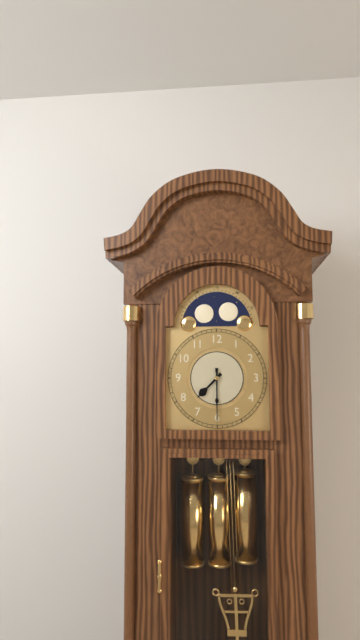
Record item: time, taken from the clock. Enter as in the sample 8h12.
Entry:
7h30
